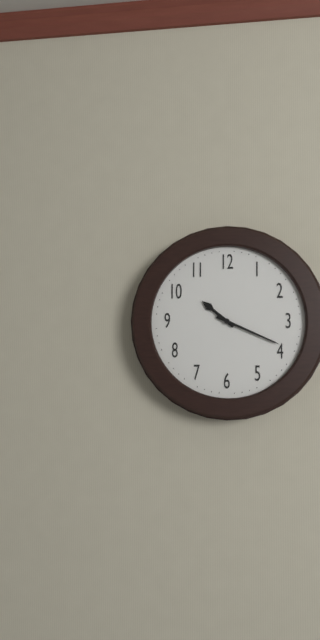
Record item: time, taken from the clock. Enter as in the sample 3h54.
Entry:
10h19
